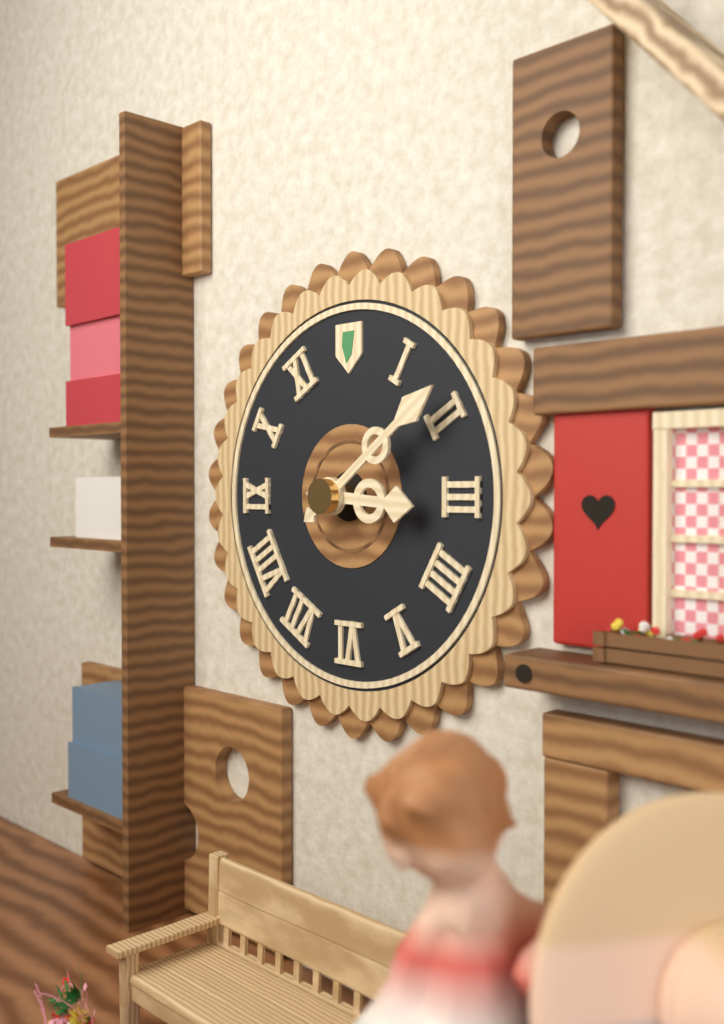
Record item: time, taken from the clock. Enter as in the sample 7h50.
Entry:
3h09
